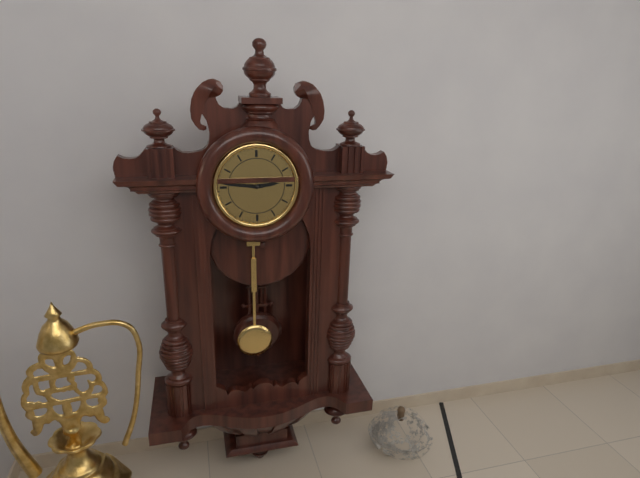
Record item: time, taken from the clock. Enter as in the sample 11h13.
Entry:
2h46
